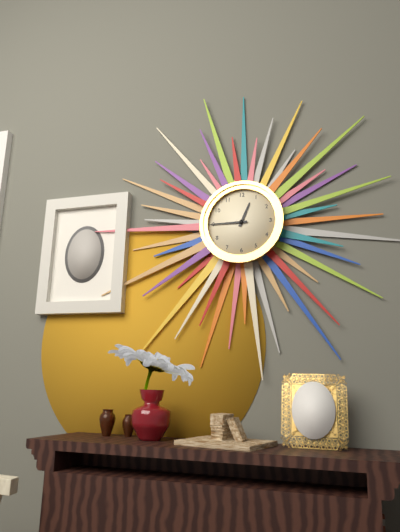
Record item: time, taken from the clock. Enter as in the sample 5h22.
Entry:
12h45
